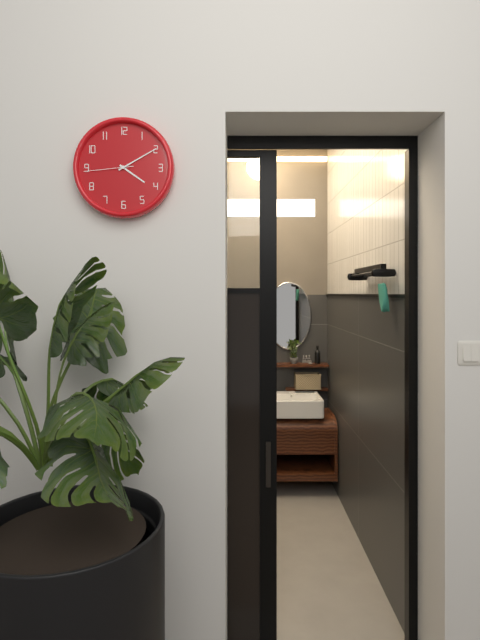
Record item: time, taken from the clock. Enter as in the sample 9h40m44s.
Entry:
4h10m44s
